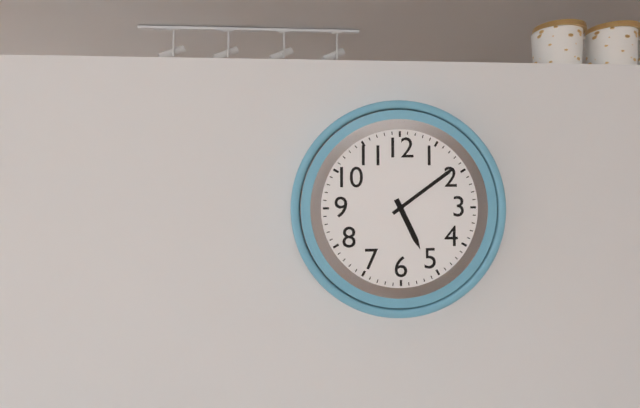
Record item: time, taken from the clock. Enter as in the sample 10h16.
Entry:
5h09
